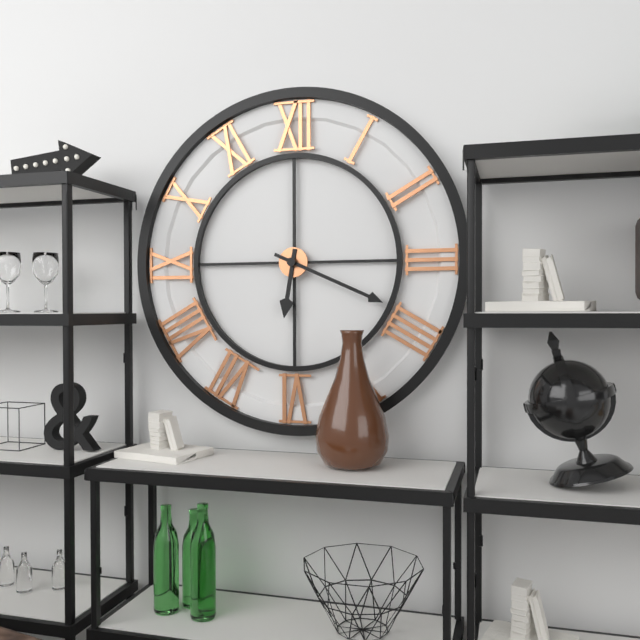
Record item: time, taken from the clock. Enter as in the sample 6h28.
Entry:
6h19
